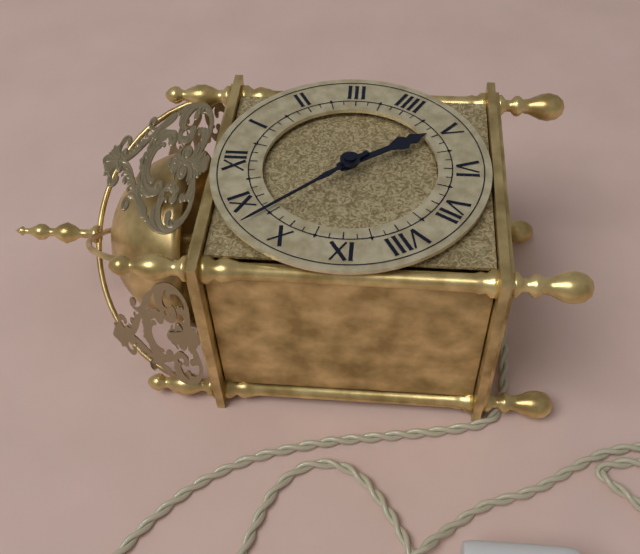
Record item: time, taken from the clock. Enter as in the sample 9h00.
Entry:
4h53
